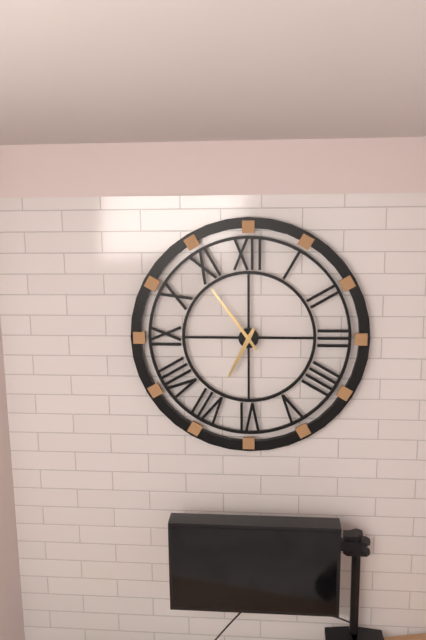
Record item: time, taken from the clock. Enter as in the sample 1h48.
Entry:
6h54
